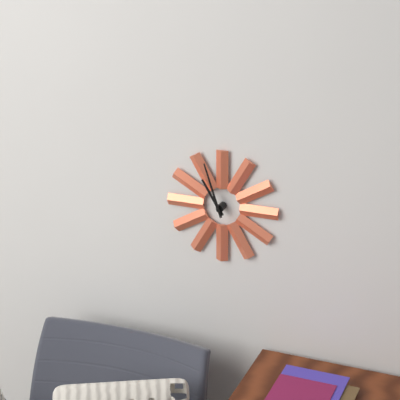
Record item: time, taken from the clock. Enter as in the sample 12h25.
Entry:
10h57
